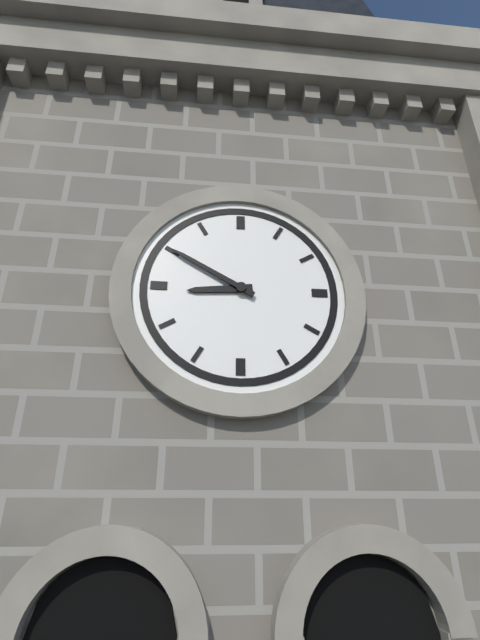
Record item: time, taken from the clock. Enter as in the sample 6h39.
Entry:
8h50
